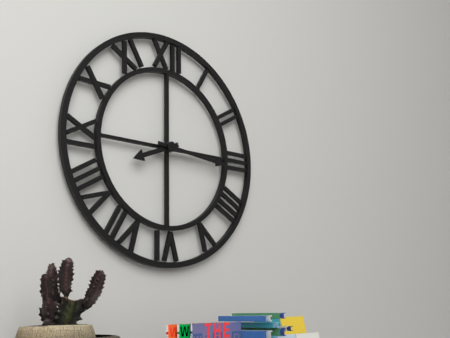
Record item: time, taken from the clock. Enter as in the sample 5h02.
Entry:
8h16
